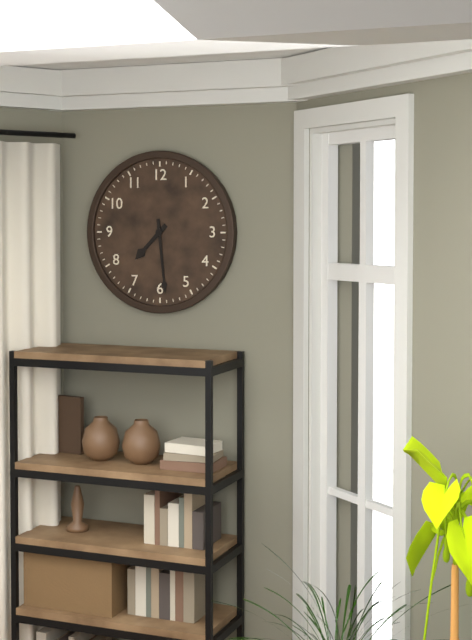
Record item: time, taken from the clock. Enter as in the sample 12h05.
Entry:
7h29
